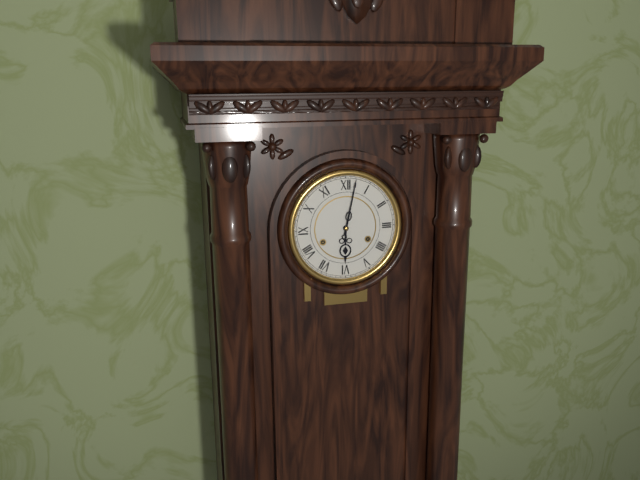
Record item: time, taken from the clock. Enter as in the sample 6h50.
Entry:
6h02
